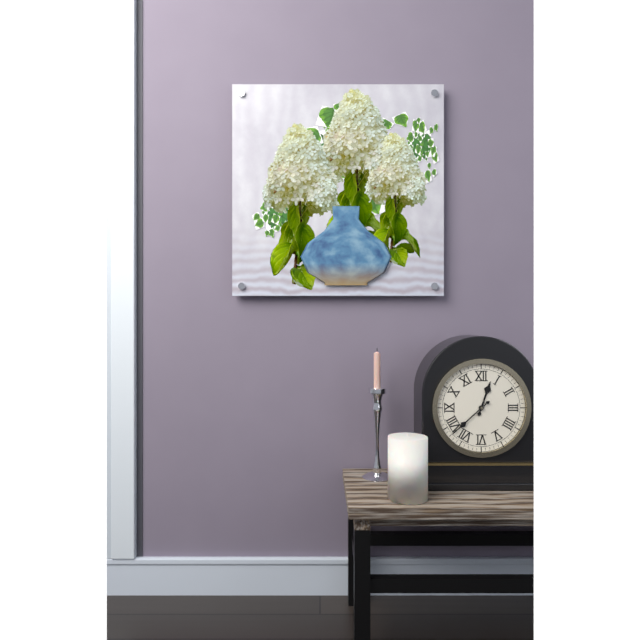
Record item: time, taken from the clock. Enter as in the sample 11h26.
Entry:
12h38
